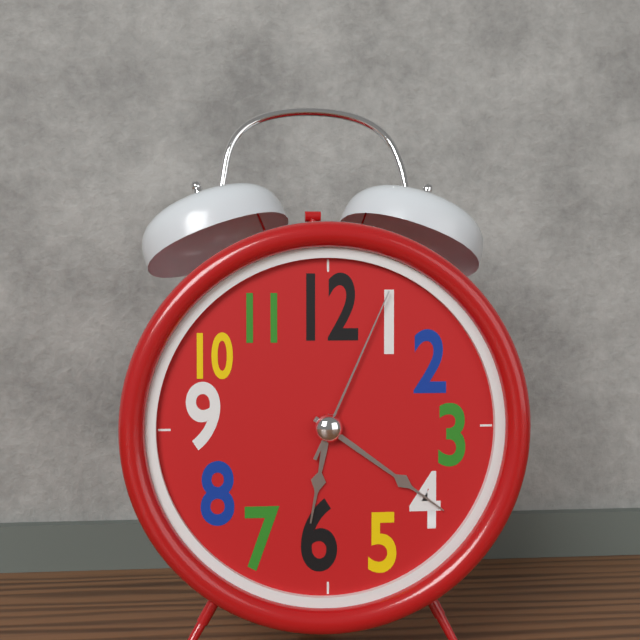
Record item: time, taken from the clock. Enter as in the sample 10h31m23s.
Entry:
6h21m04s
